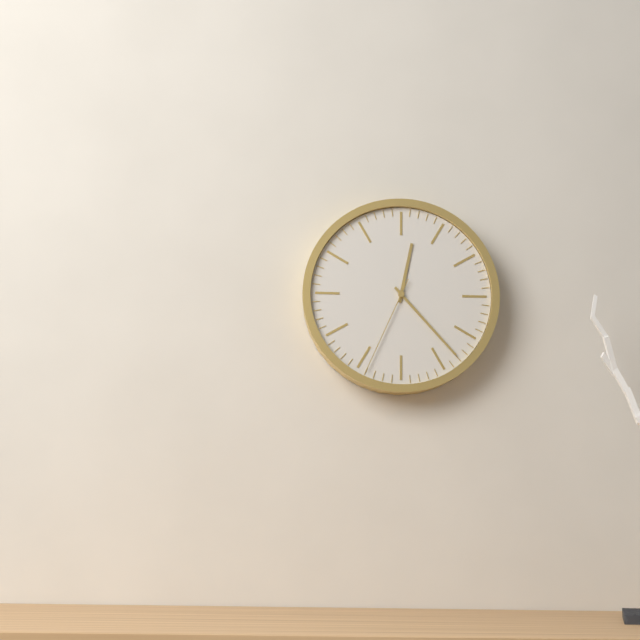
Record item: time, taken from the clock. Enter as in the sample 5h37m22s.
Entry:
12h23m34s
